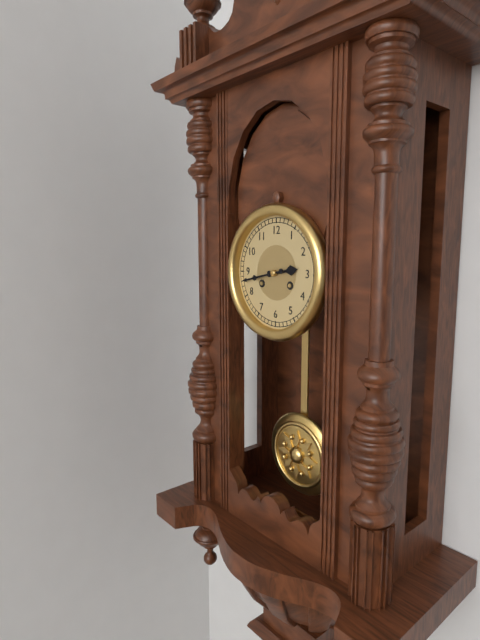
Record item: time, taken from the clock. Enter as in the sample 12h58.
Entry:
2h43
